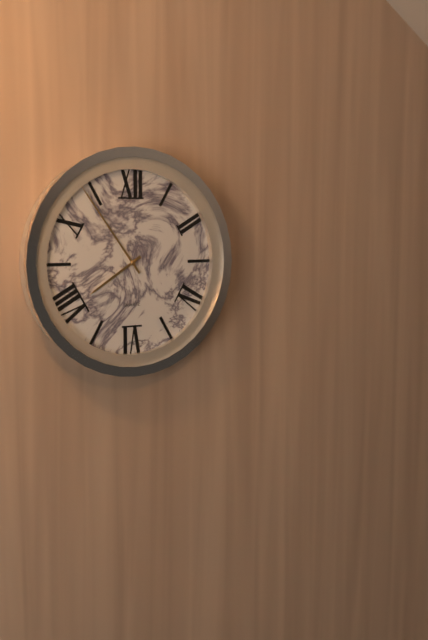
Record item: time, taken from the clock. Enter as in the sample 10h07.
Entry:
7h54
